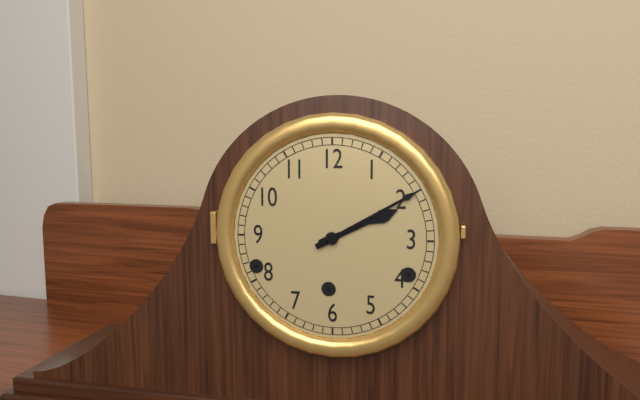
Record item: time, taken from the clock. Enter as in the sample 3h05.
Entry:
2h10
